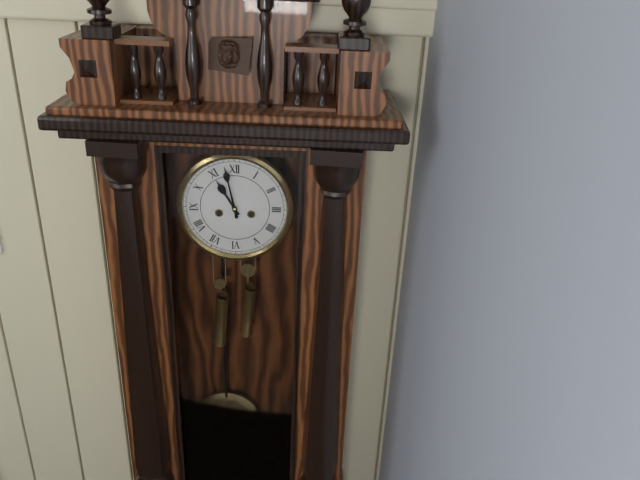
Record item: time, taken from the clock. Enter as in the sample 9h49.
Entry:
10h58
